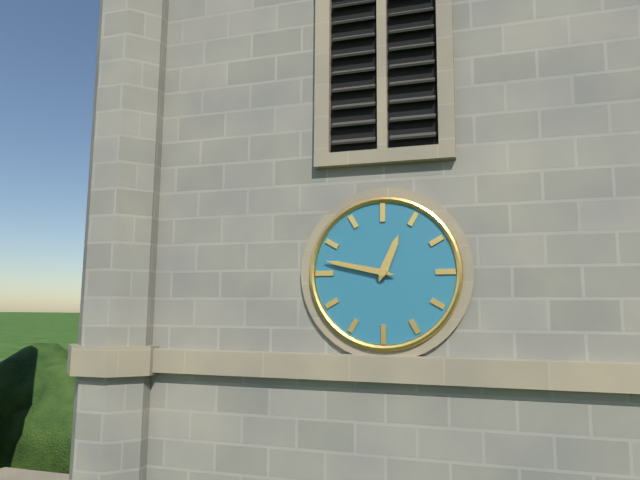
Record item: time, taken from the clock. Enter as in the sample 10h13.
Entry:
12h47
